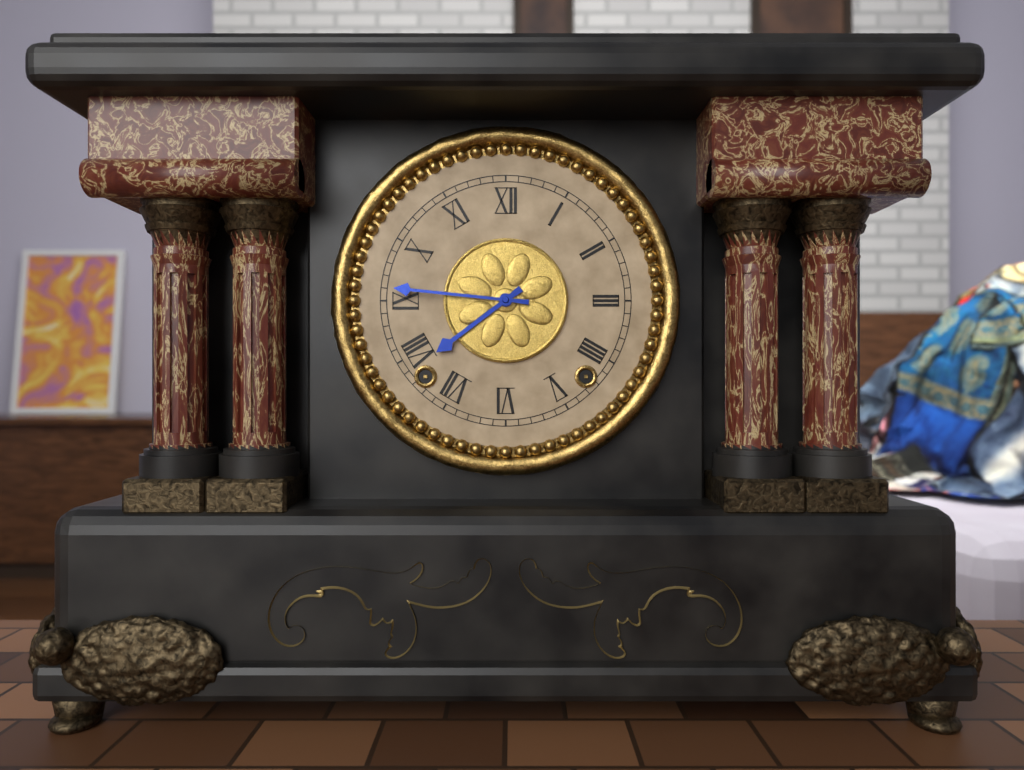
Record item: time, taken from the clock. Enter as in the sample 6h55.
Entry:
7h46
